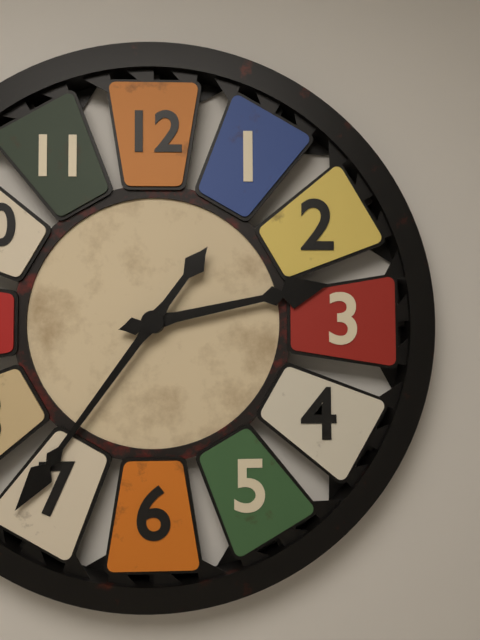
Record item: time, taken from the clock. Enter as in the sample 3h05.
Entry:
2h36
